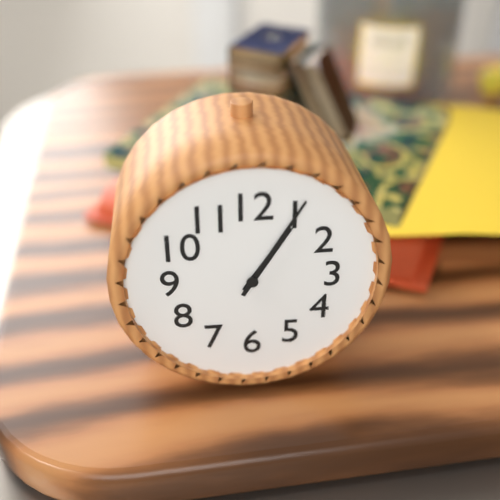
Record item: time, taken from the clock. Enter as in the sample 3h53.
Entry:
1h05
